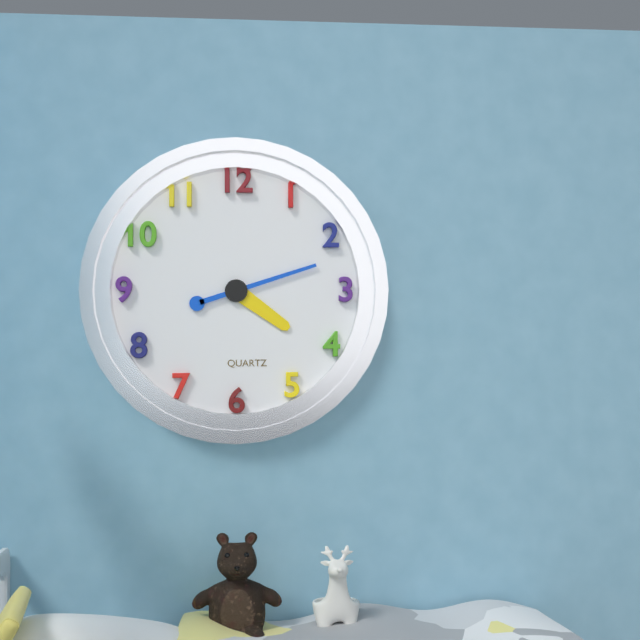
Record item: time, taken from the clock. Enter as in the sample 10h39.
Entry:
4h12
